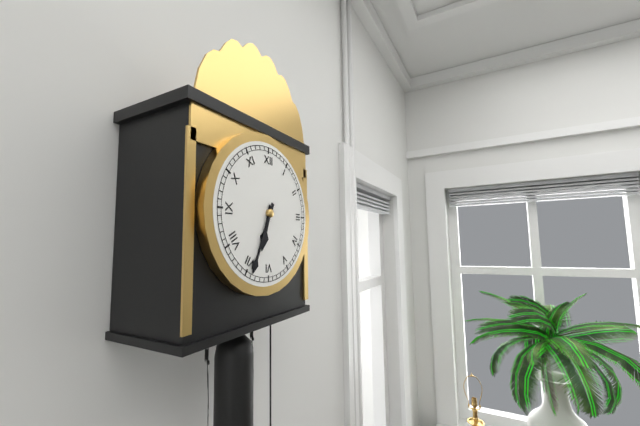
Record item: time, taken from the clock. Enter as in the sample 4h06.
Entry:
6h34
